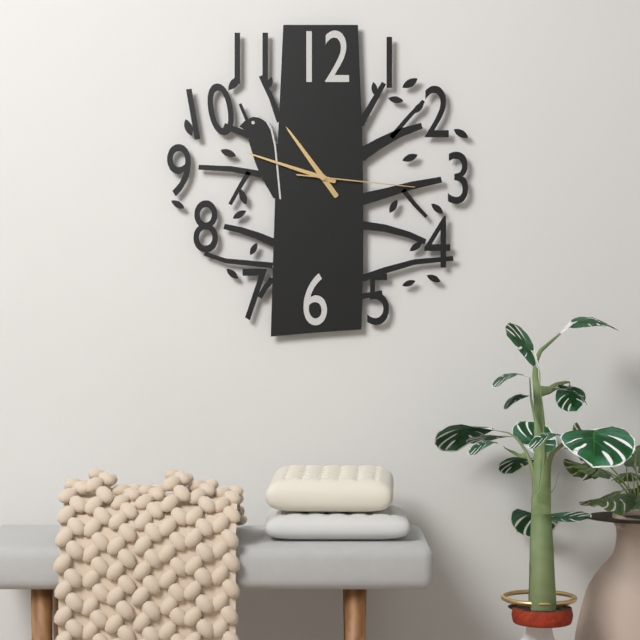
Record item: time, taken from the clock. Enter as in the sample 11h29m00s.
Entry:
10h48m16s
